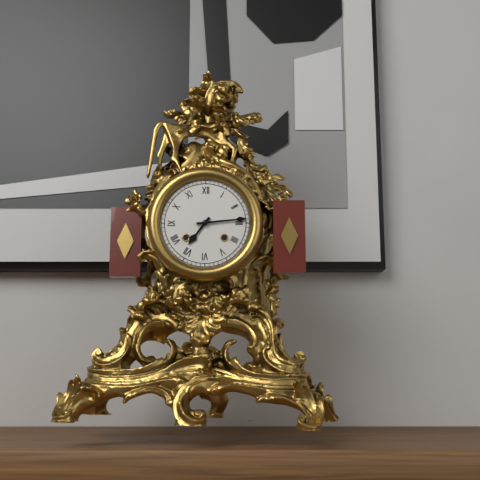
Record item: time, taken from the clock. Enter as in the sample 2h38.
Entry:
7h14
